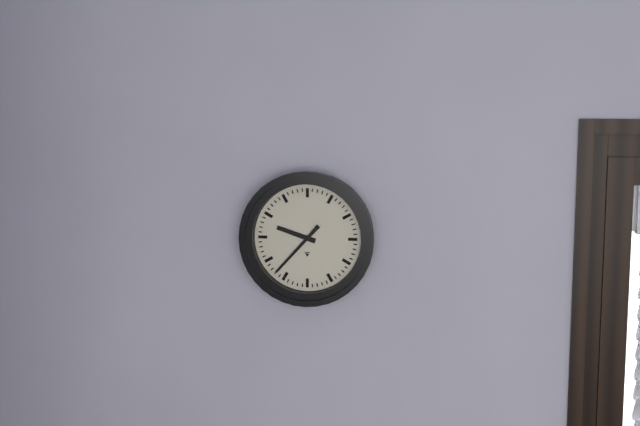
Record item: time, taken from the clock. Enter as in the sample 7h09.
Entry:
9h37
